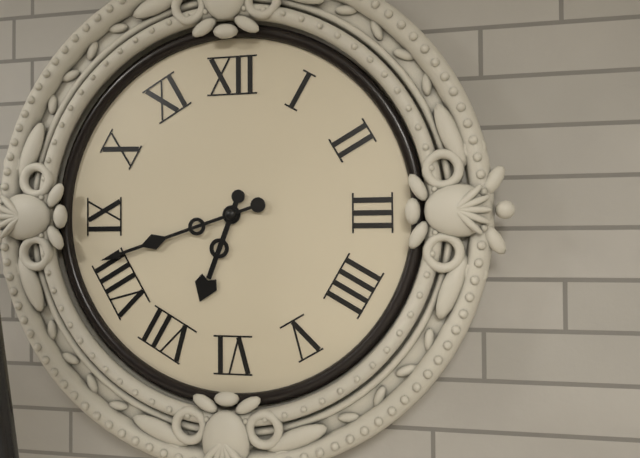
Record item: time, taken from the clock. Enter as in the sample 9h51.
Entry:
6h42
